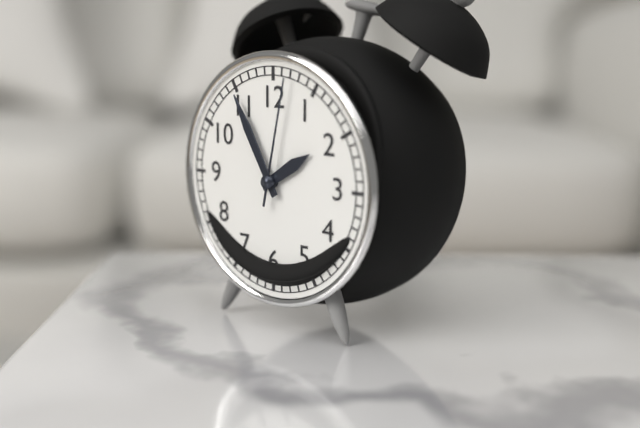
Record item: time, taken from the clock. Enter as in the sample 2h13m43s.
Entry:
1h55m02s
